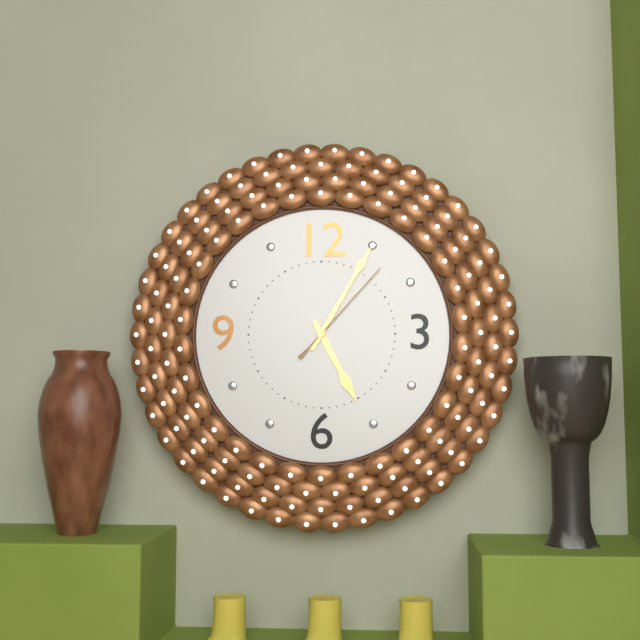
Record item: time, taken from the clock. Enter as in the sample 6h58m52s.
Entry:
5h05m07s
